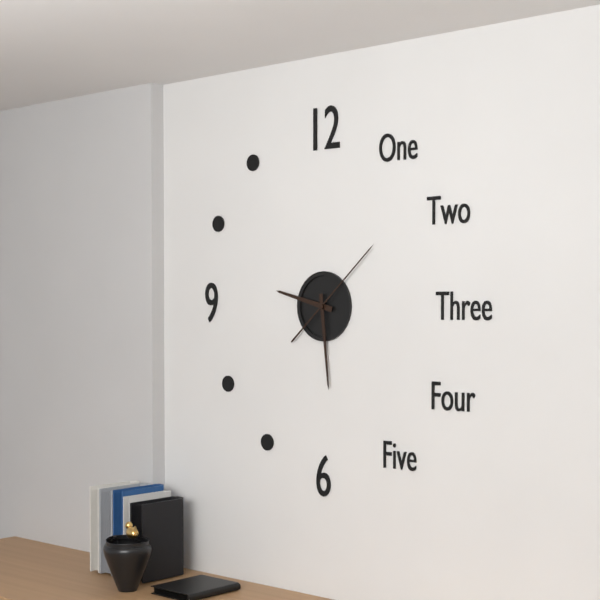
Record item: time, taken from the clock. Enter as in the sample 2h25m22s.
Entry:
9h29m08s
